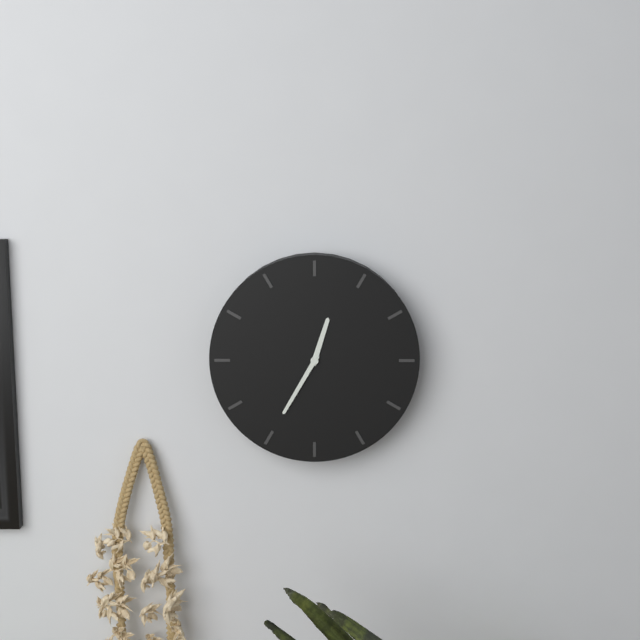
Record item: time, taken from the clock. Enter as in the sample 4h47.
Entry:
12h35
